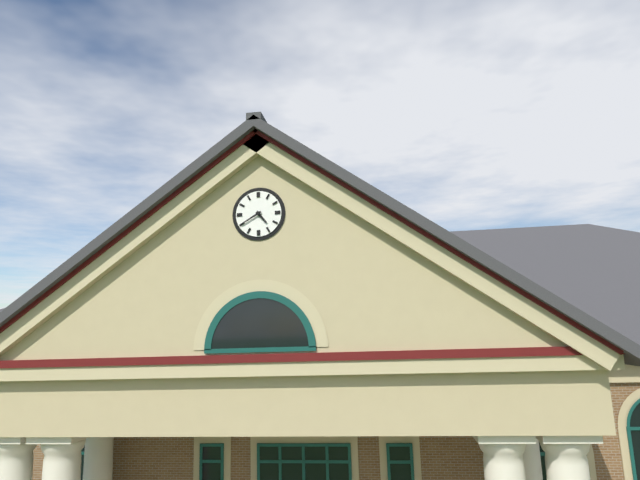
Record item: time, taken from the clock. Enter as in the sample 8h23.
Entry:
4h40
